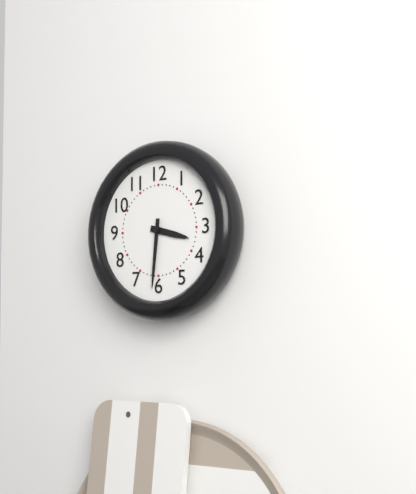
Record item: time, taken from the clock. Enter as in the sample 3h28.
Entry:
3h31
